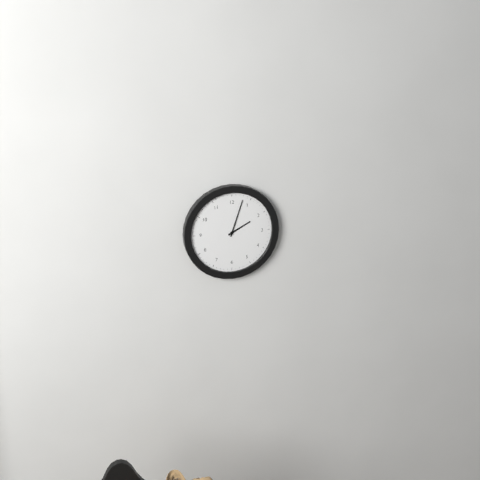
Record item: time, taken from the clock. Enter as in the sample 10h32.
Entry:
2h03
